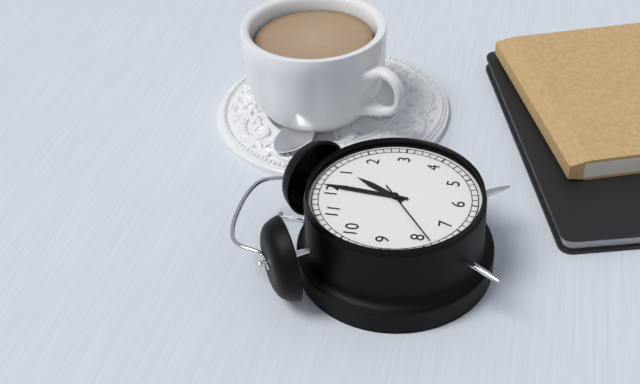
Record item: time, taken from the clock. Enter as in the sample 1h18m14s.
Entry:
1h01m39s
